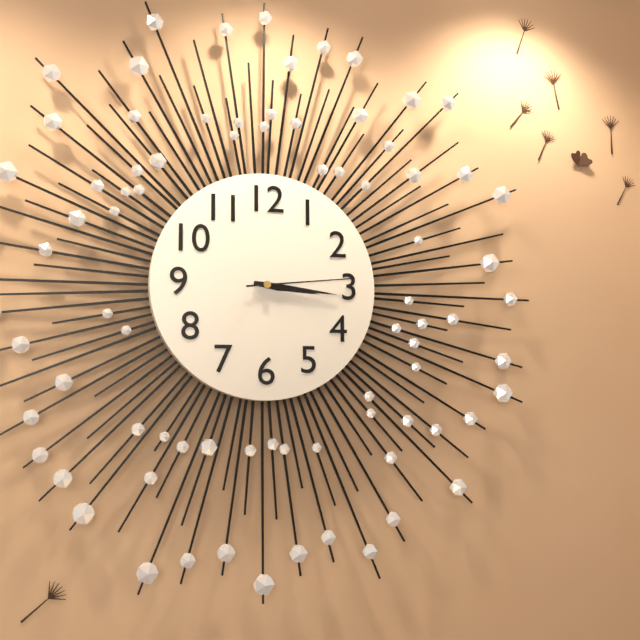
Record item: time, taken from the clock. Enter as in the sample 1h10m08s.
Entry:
3h16m14s
